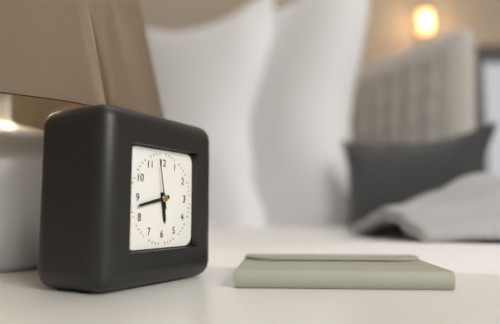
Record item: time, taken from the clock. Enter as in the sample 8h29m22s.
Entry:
5h43m58s
